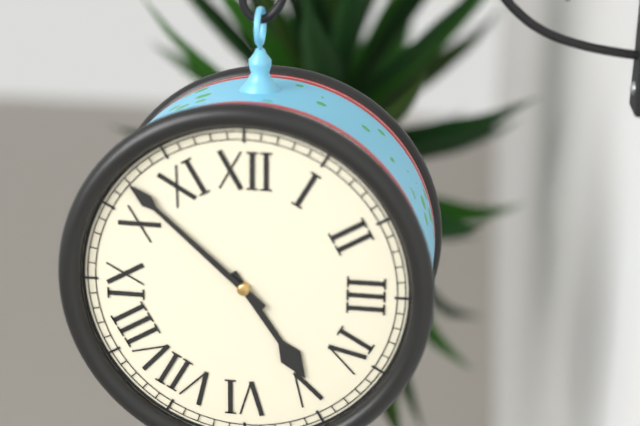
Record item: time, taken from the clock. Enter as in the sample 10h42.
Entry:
4h52
